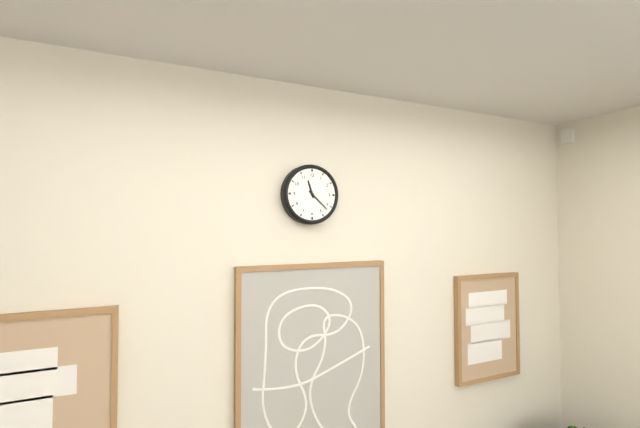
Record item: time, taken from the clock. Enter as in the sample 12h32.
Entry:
11h22
